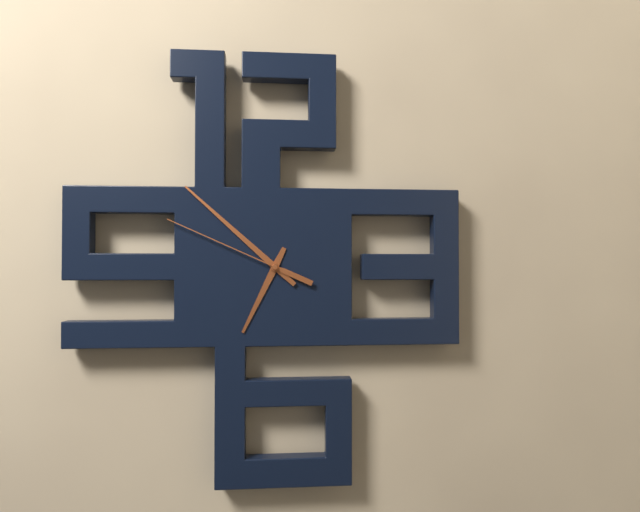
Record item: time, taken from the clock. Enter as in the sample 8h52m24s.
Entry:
6h52m49s
